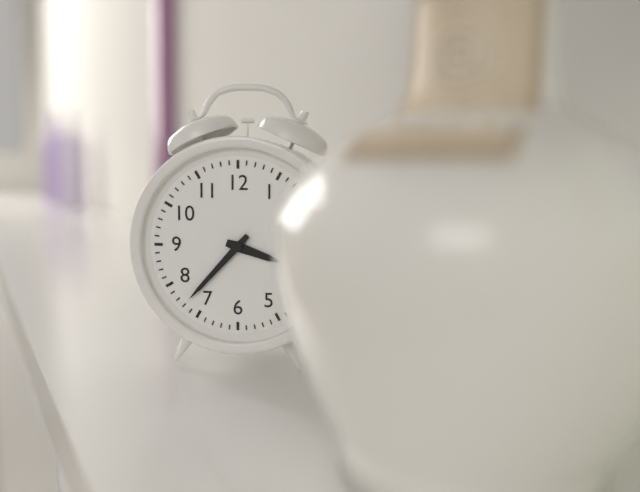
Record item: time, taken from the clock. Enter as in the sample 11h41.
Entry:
3h37
